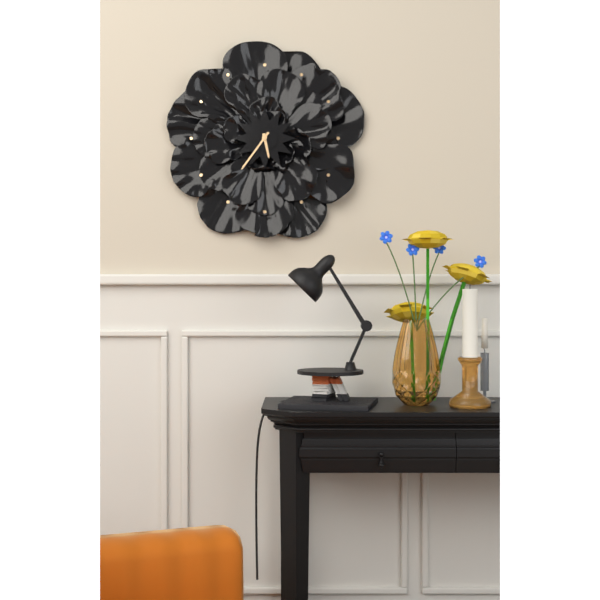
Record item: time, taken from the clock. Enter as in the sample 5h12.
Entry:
5h36
